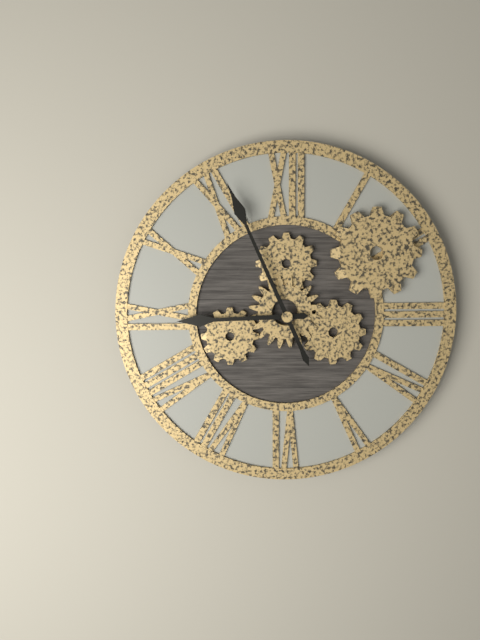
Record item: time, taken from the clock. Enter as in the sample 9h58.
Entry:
8h56
